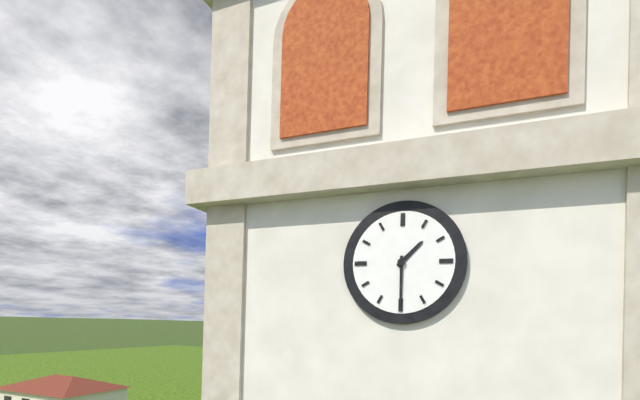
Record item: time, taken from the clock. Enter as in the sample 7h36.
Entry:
1h30
